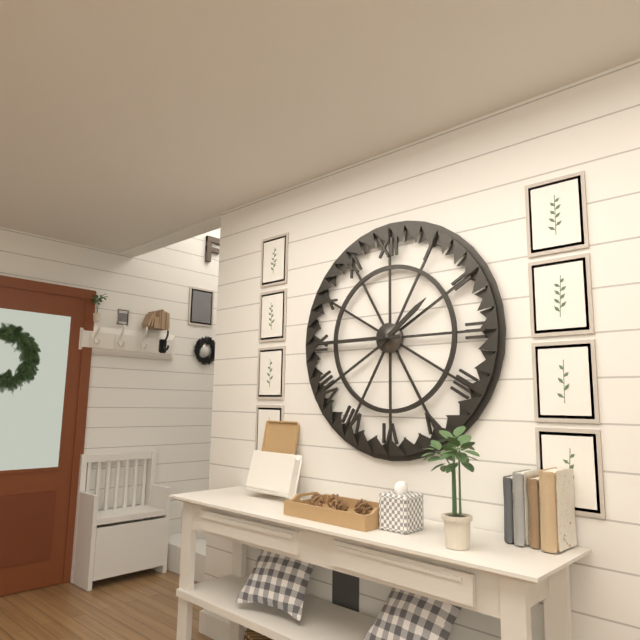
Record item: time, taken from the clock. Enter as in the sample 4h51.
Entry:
1h45
